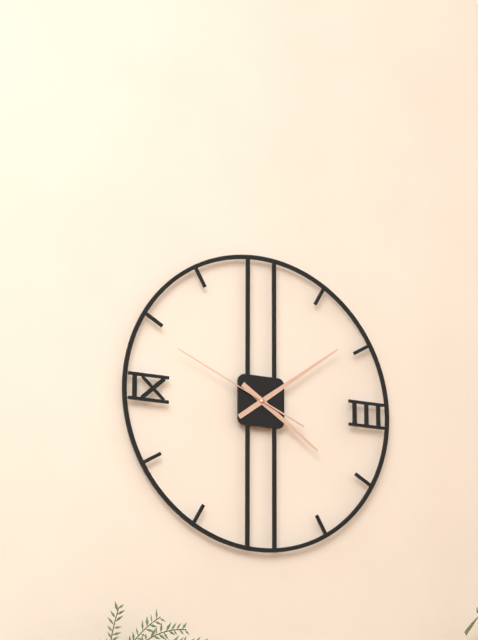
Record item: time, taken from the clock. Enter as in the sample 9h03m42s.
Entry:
4h09m49s
